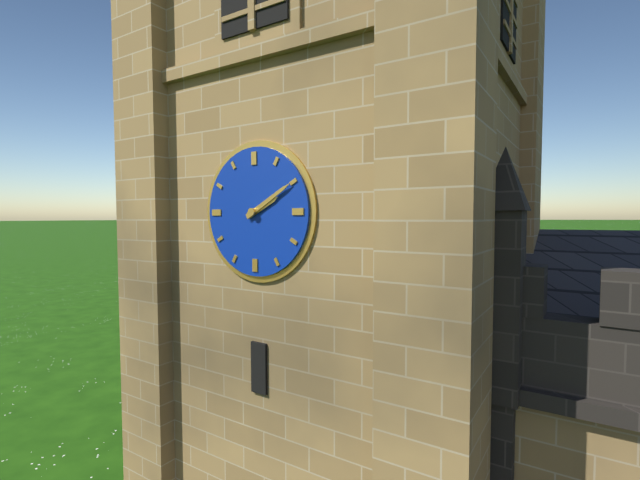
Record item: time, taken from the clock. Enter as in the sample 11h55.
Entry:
2h10
